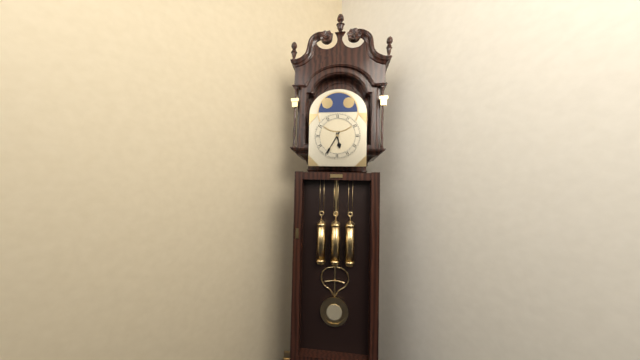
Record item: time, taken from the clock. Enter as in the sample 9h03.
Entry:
5h35
